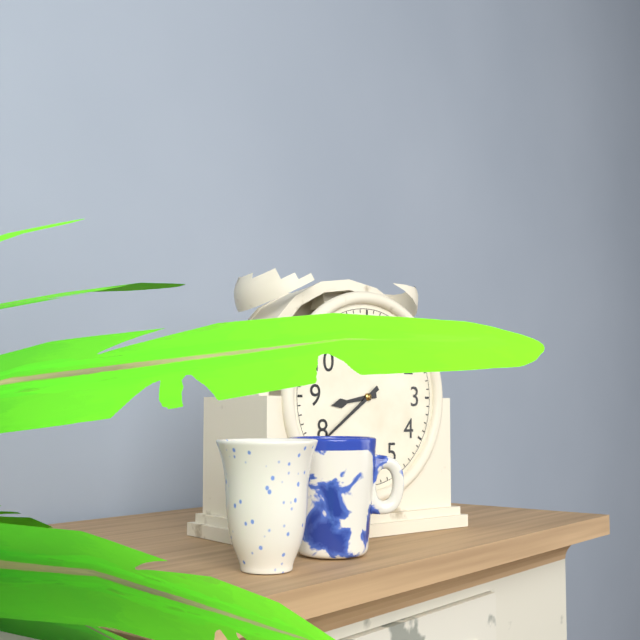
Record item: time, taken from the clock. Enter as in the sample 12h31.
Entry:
8h39
